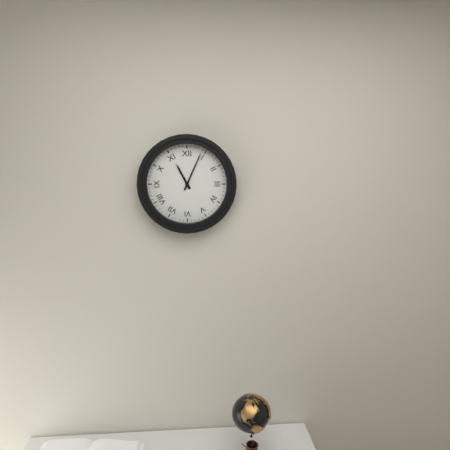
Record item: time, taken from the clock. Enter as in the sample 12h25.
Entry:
11h04
